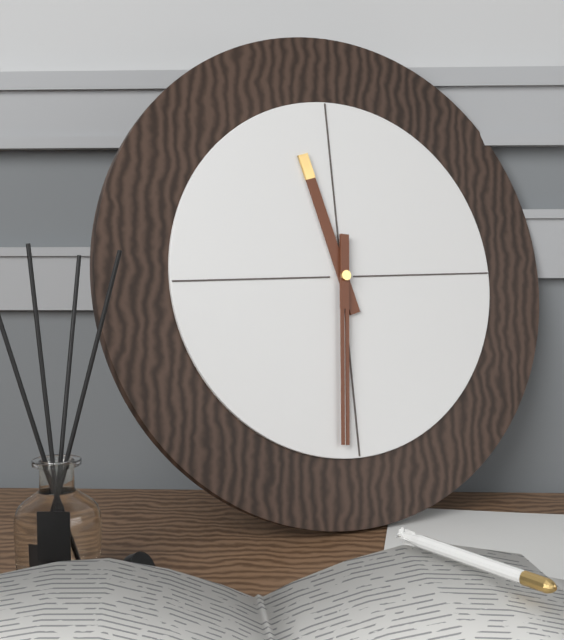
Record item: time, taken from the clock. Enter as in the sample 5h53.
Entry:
11h31
